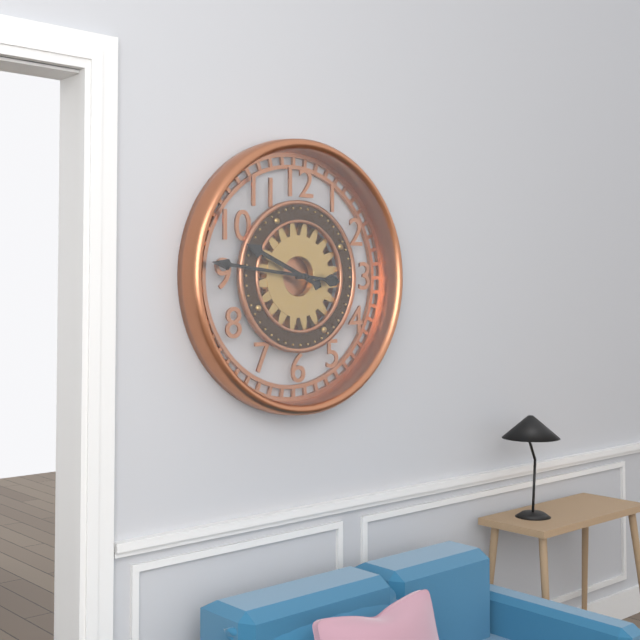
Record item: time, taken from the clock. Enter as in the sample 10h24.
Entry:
9h46
